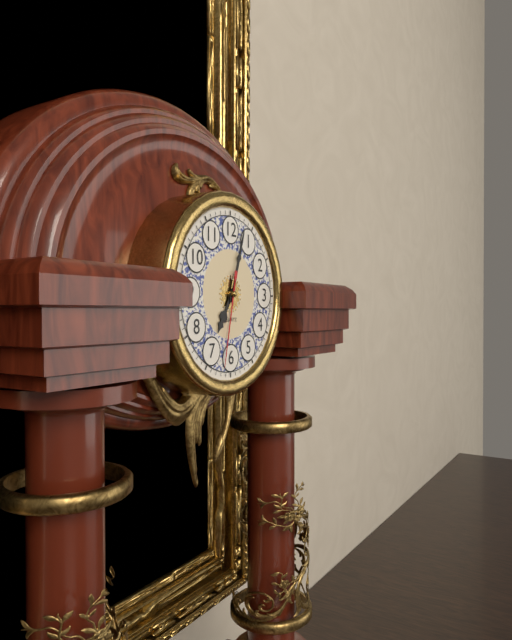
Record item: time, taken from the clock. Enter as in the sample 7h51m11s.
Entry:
7h03m32s
